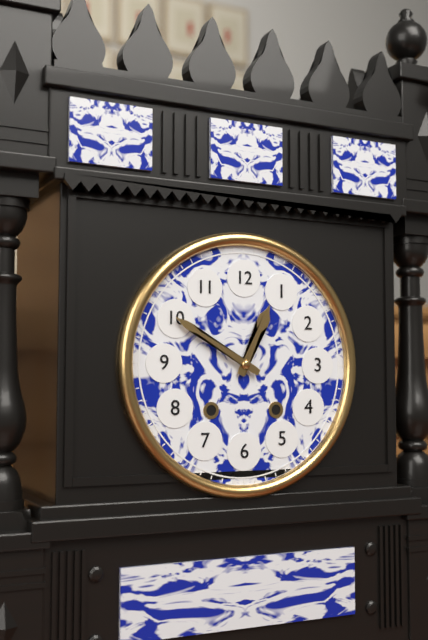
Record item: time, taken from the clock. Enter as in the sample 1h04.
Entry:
12h50
